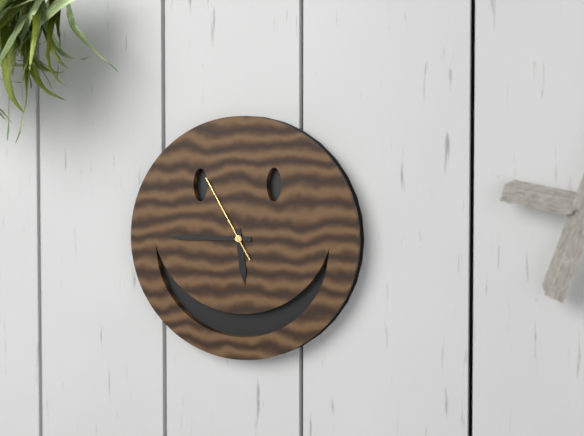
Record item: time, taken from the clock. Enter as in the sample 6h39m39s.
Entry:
5h45m55s
